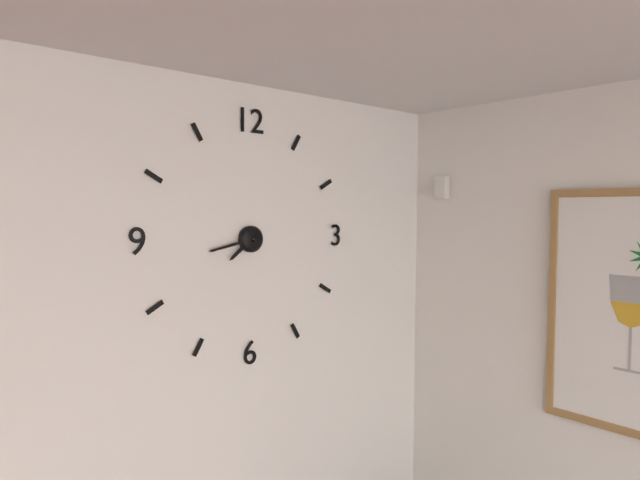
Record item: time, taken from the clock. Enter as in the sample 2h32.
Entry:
7h43
